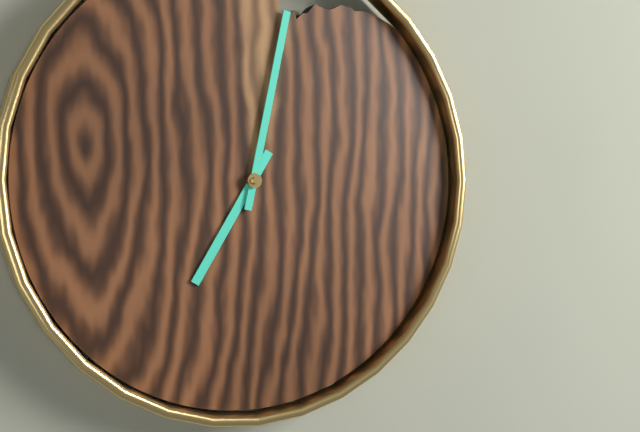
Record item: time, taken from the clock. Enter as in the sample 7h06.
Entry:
7h02
